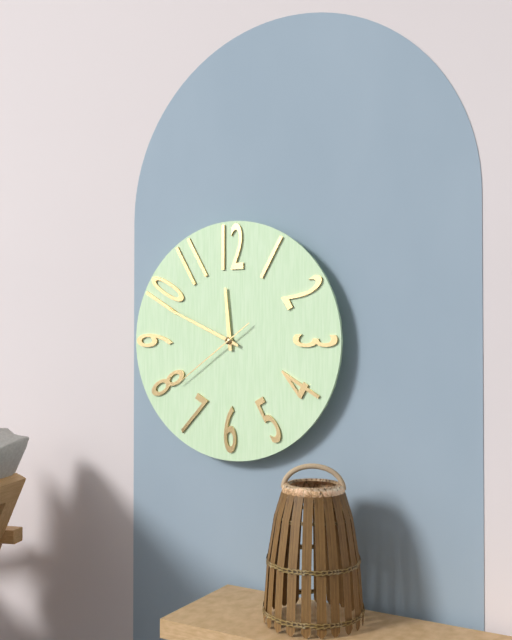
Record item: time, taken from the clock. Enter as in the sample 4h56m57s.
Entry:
11h49m39s
